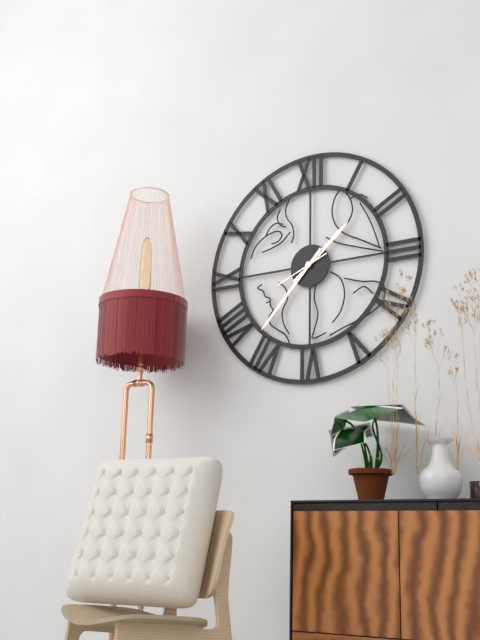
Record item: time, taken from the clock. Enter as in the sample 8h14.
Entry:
1h37
